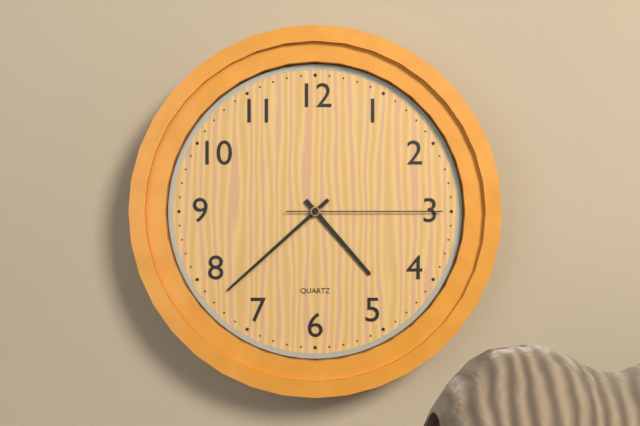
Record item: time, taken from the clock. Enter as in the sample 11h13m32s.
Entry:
4h38m15s
